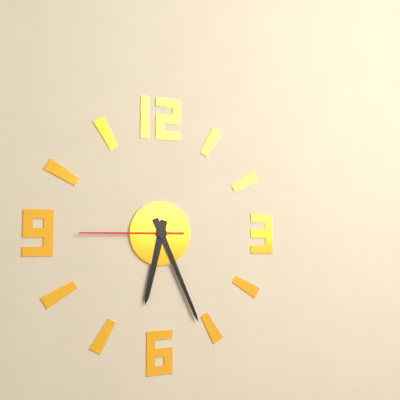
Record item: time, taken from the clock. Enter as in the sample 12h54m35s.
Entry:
6h26m45s
